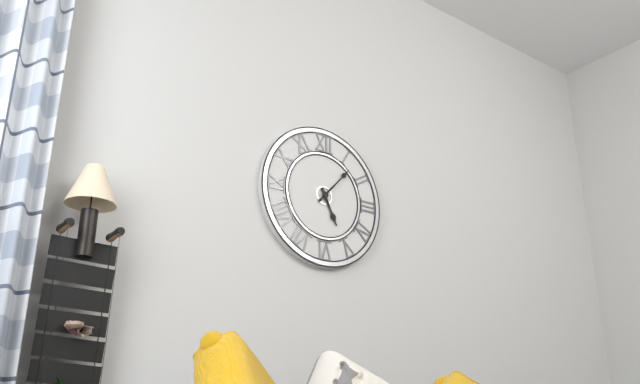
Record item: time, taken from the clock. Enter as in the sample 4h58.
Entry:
5h07
